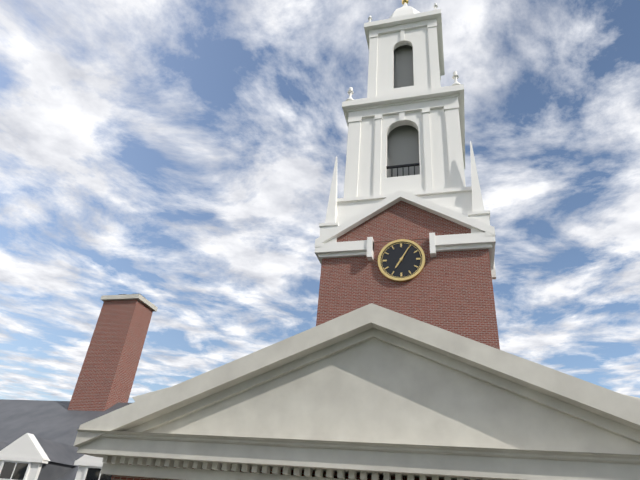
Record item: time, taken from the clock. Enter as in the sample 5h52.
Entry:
7h05
